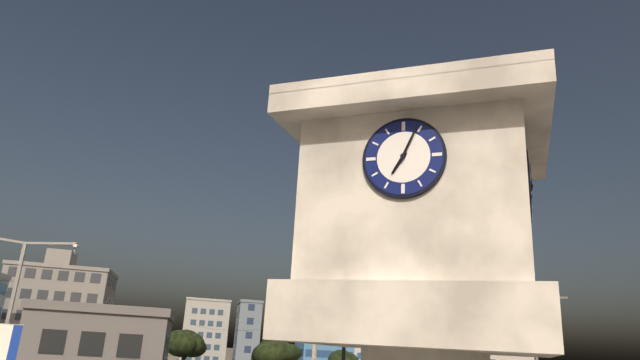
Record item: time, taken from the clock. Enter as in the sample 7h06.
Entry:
7h04
